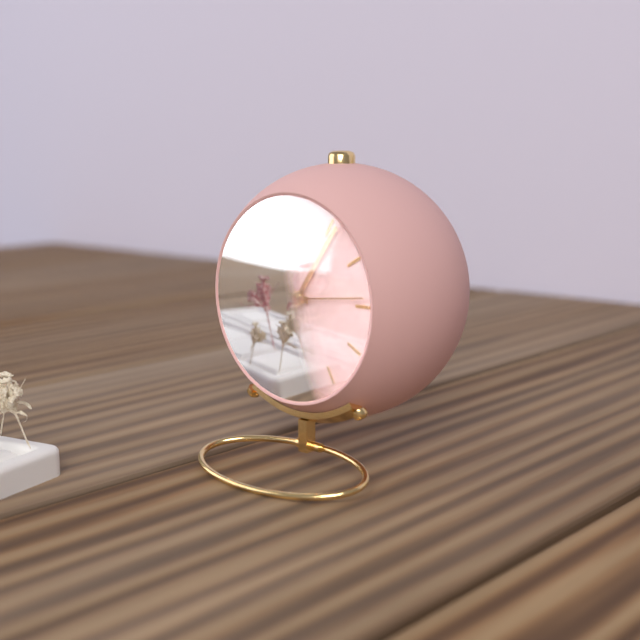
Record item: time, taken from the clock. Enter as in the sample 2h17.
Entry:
9h06
